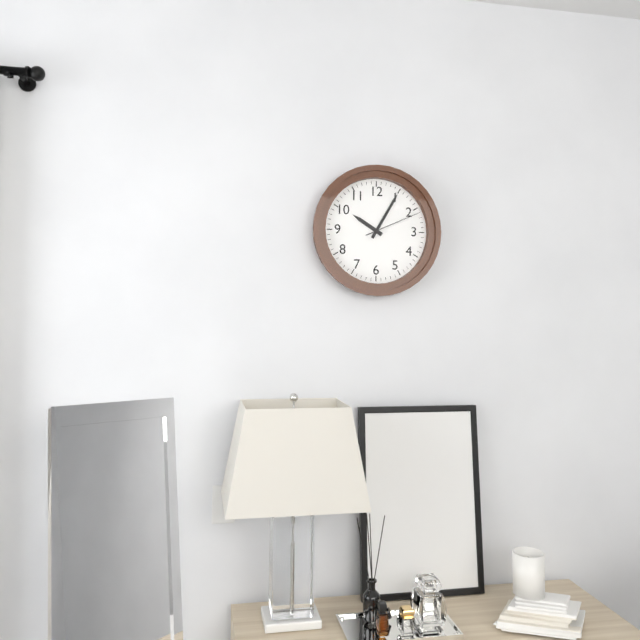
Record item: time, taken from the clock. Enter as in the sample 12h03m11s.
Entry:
10h05m11s
